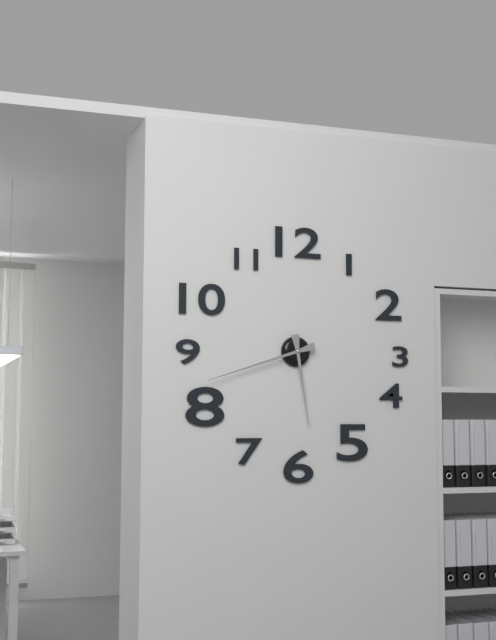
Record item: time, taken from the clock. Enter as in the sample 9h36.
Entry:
5h42
